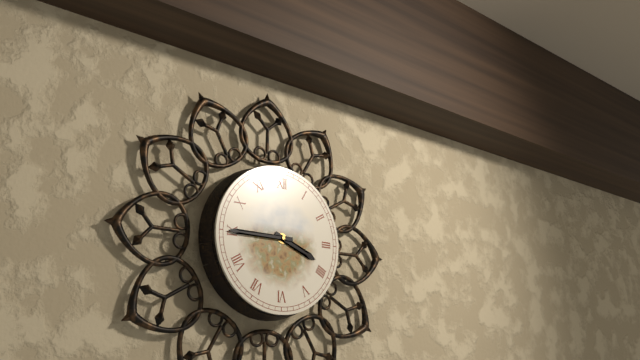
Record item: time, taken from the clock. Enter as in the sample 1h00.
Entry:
3h45
